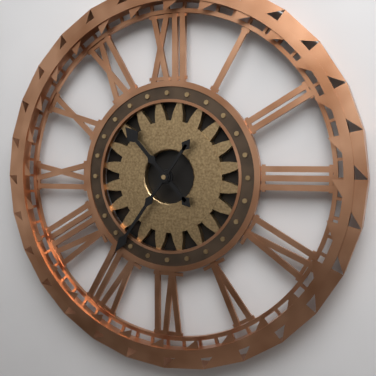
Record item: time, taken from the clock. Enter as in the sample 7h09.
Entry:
10h36
